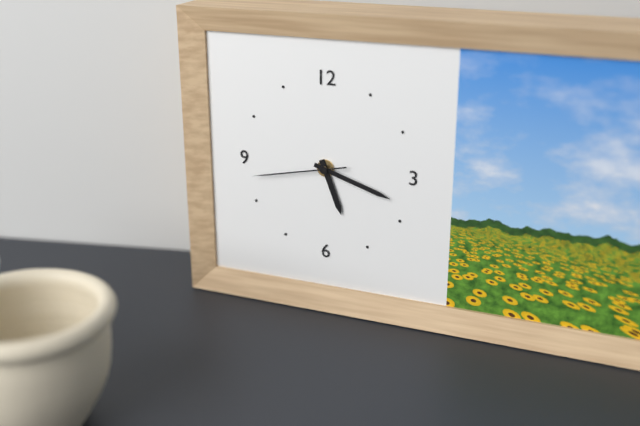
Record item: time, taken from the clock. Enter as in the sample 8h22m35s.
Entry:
5h18m43s
